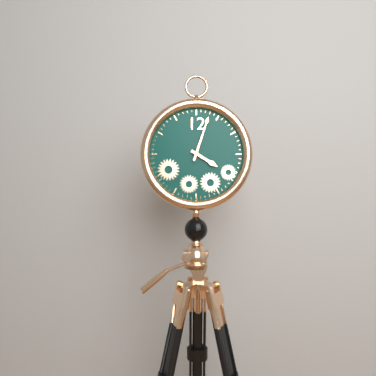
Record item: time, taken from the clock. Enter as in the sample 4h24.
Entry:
4h03
